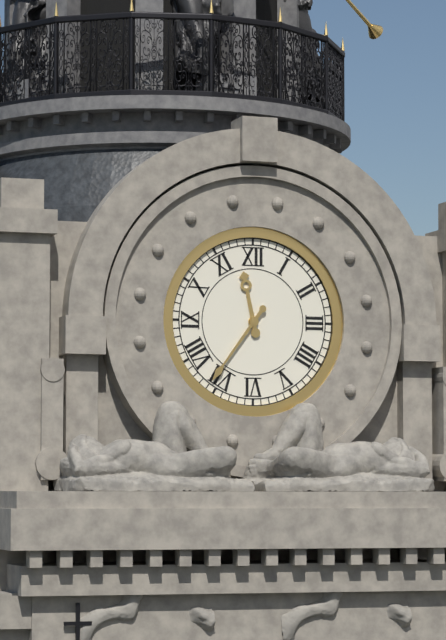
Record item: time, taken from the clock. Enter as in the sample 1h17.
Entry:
11h36
